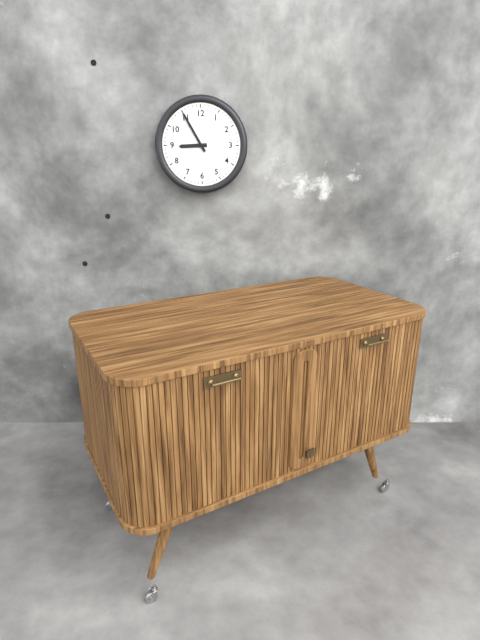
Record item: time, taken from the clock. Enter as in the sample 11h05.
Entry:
8h55
